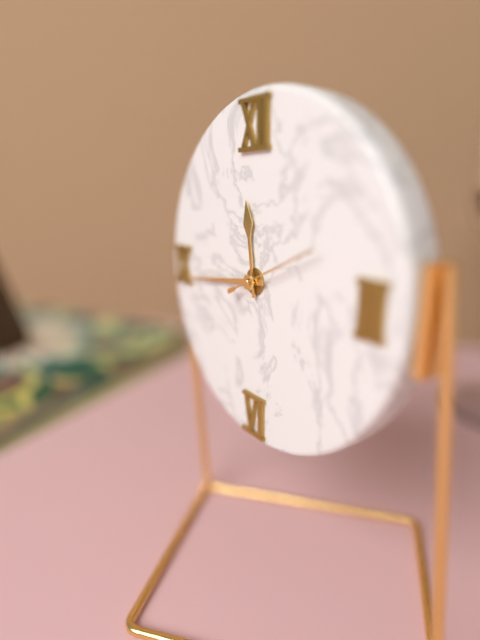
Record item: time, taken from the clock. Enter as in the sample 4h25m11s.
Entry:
11h44m11s
